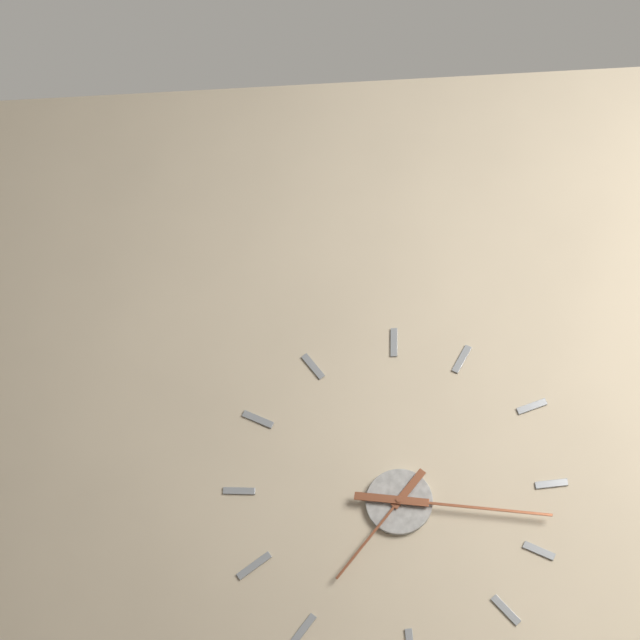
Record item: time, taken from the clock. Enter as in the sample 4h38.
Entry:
7h16
